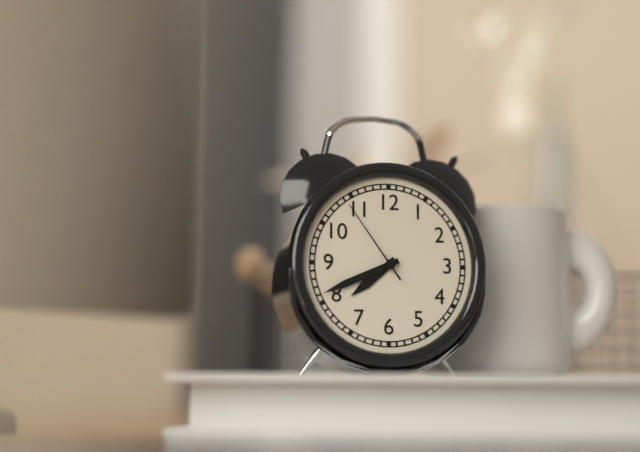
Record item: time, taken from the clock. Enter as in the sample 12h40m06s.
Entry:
7h41m54s
